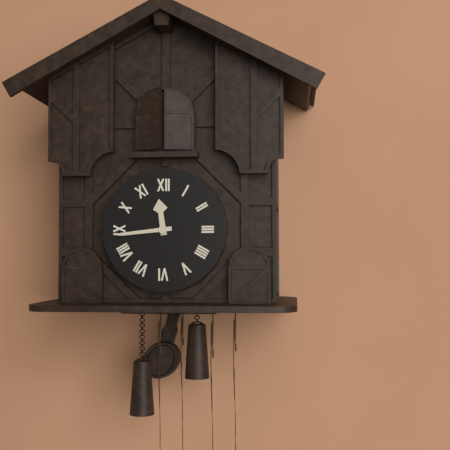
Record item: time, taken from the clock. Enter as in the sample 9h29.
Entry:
11h44
